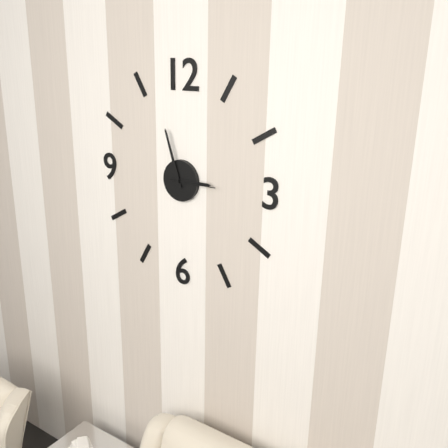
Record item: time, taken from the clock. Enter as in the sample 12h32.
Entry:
2h57
